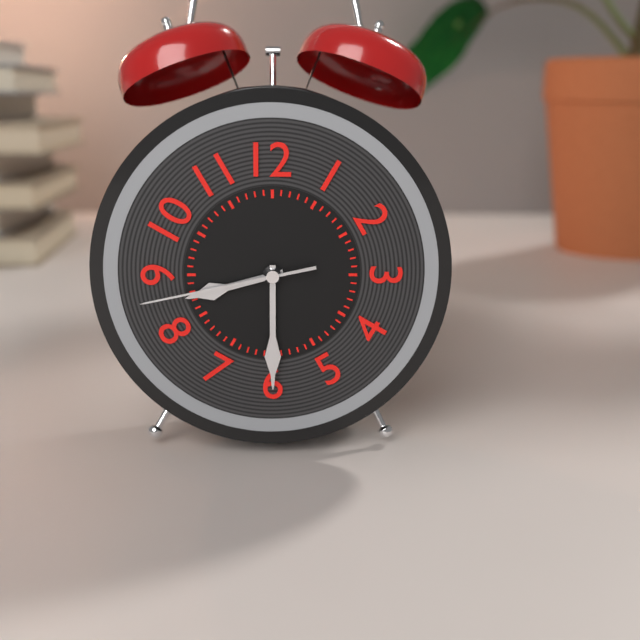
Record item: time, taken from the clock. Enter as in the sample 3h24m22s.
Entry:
8h30m43s
